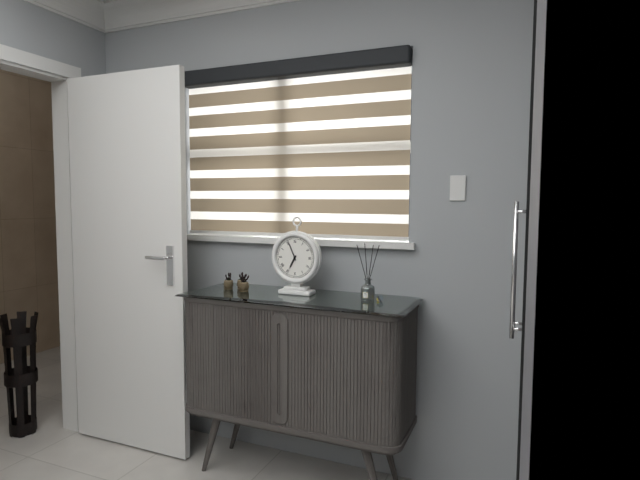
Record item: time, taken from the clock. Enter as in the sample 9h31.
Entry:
6h56
